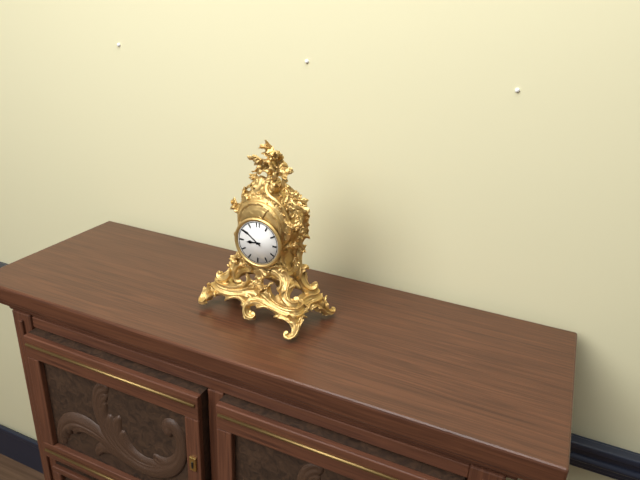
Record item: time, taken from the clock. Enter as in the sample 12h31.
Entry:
8h51
